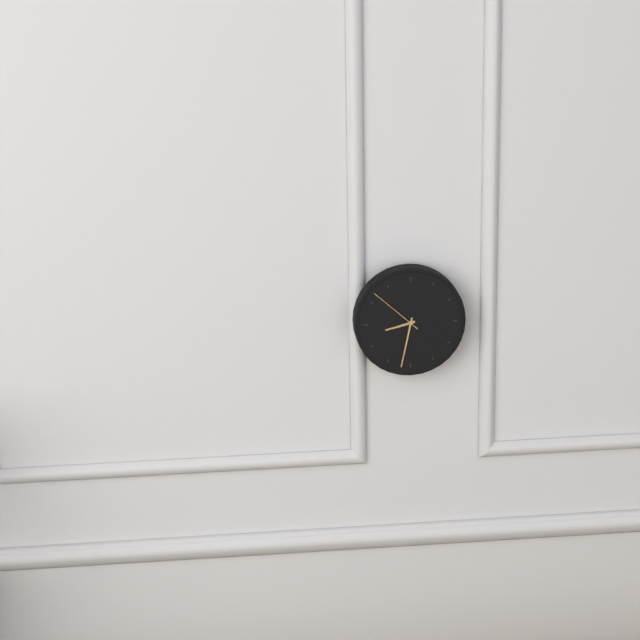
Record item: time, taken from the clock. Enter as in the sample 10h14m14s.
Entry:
8h32m52s
